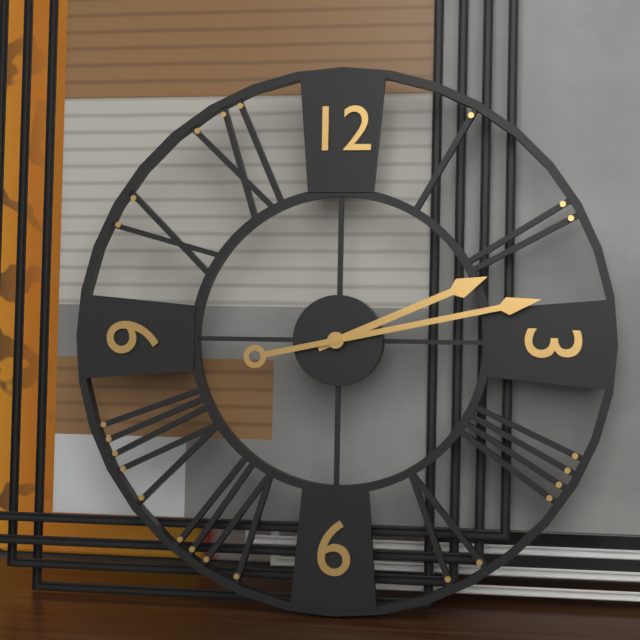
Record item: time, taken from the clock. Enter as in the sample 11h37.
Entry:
2h13
